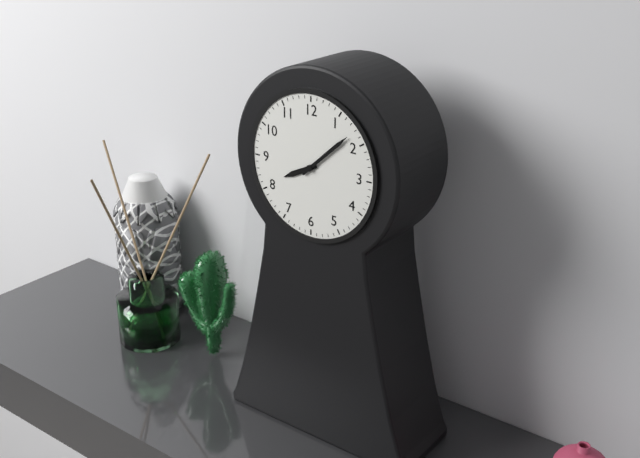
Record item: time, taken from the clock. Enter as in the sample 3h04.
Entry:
8h08
